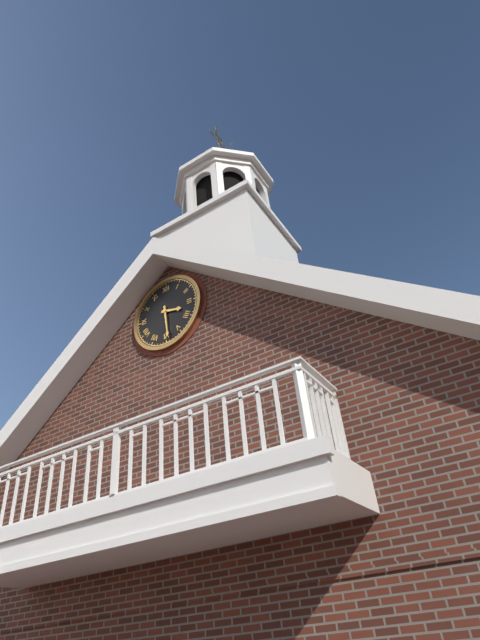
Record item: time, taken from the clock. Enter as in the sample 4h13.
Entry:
3h29
